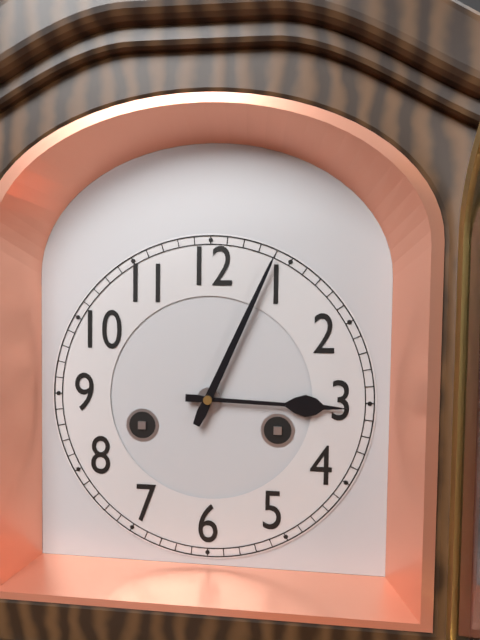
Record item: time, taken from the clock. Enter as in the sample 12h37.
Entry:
3h04
